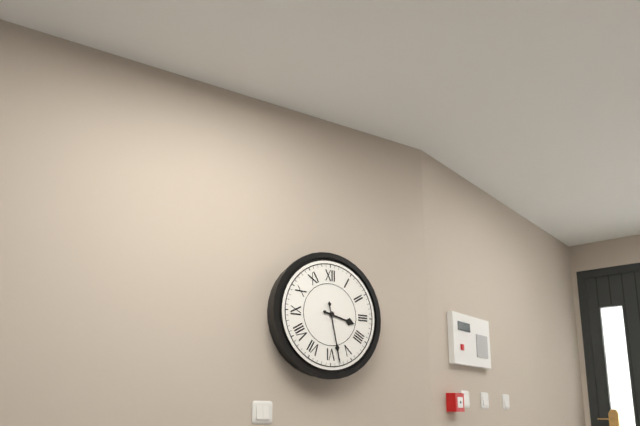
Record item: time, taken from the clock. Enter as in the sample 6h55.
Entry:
3h28
